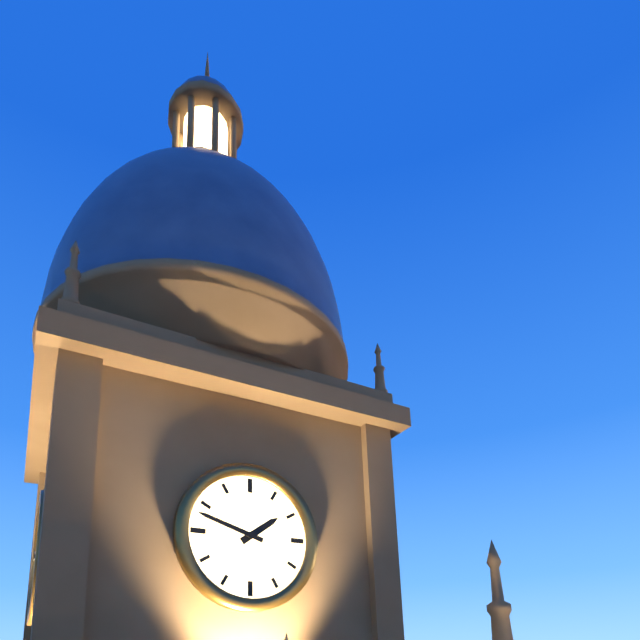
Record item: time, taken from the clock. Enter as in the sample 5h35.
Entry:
1h48
